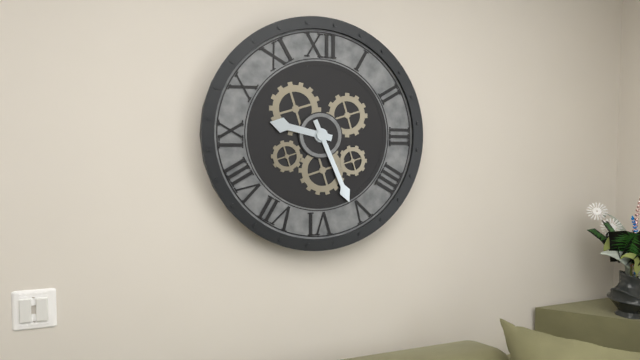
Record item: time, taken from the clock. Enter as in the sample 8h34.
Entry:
9h26
